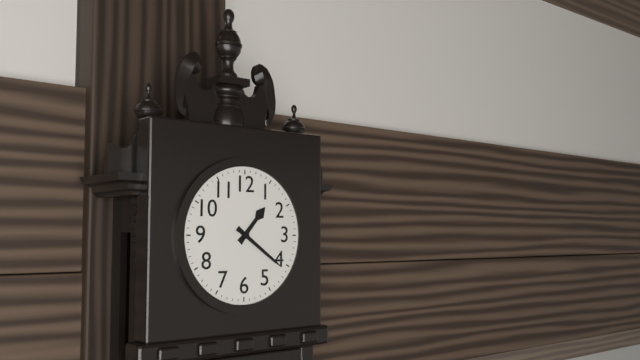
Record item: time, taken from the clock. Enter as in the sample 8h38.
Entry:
1h21
